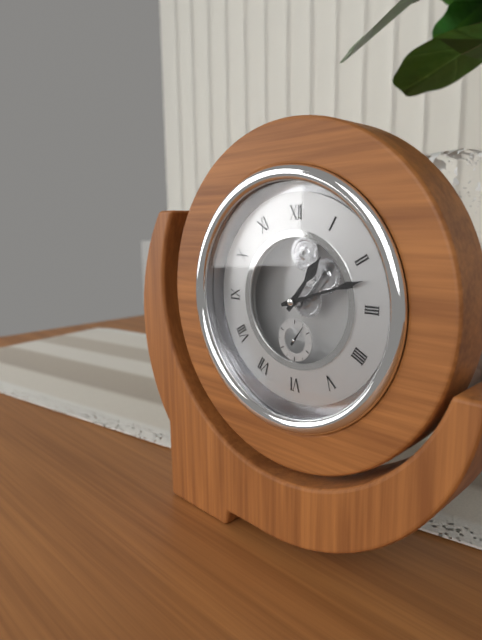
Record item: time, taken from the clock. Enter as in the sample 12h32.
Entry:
1h12
